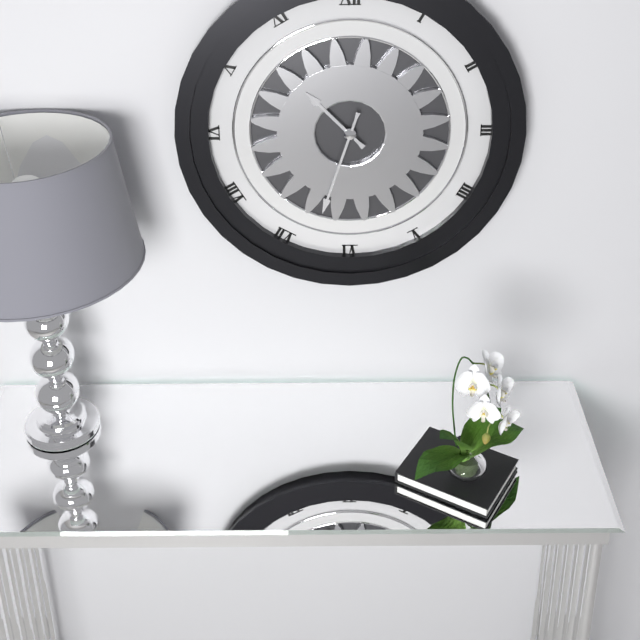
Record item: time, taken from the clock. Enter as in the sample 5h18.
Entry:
10h33
